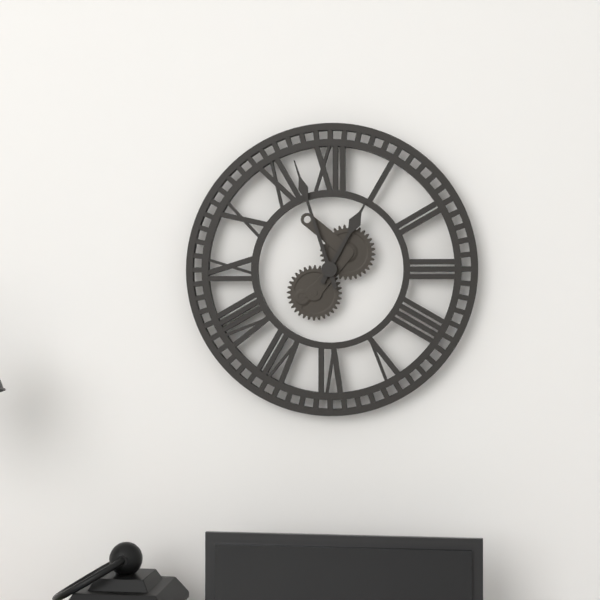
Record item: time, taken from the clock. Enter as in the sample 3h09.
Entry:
12h57
